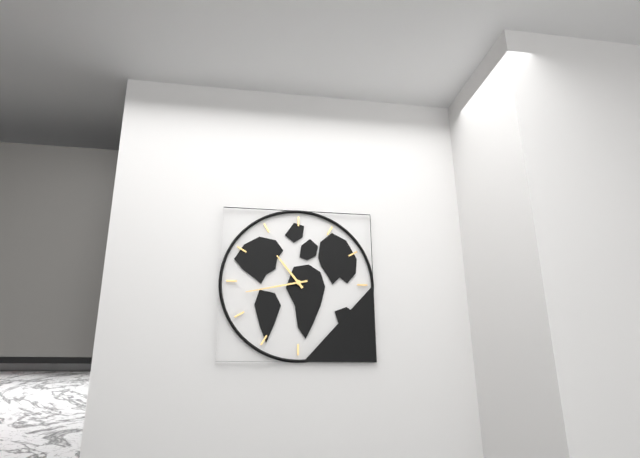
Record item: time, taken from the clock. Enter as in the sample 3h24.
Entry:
10h43
